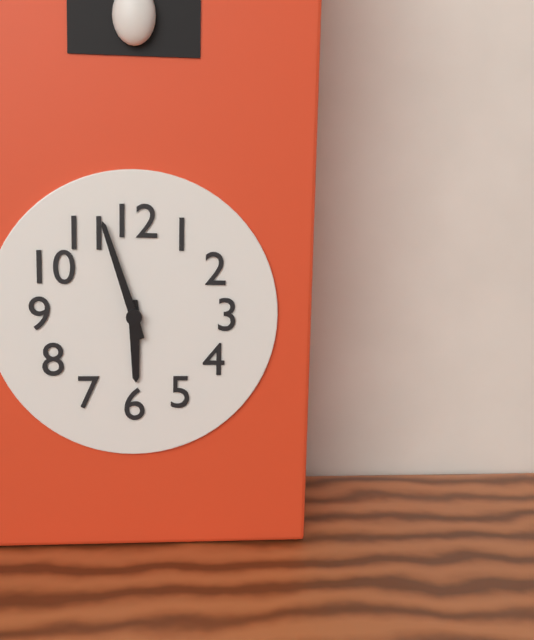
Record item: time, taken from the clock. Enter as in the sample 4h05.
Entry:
5h57
